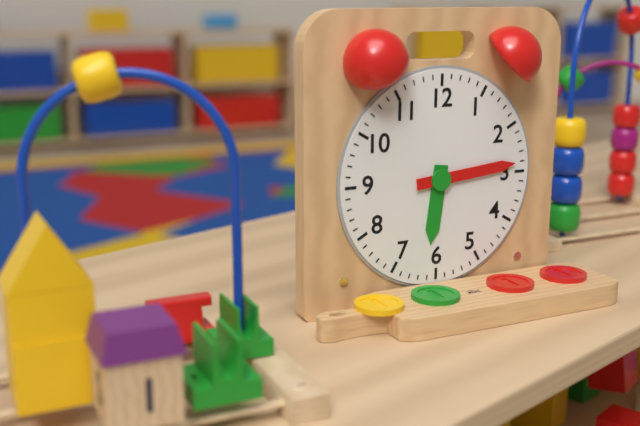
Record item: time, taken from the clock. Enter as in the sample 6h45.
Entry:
6h14
